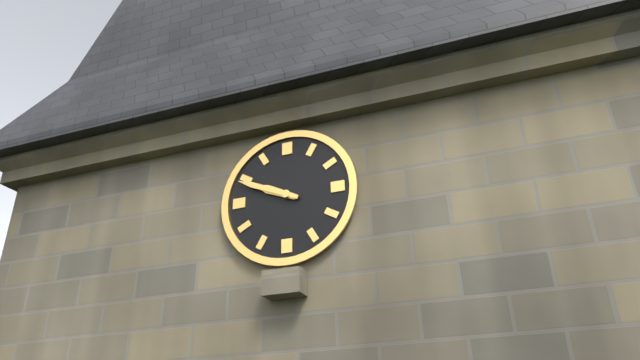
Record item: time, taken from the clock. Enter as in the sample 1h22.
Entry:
9h49
